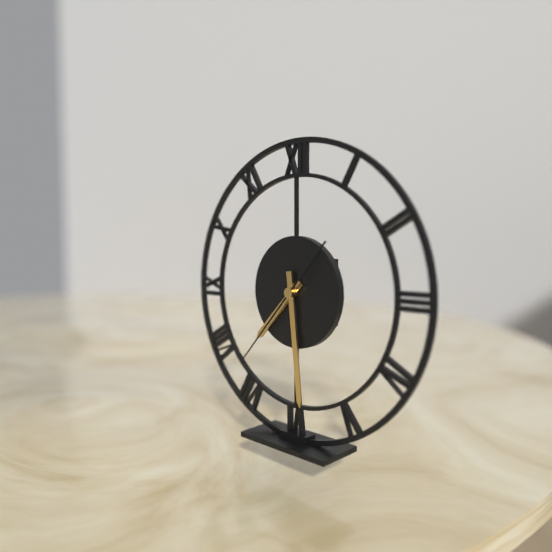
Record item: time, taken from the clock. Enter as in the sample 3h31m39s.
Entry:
7h29m37s
